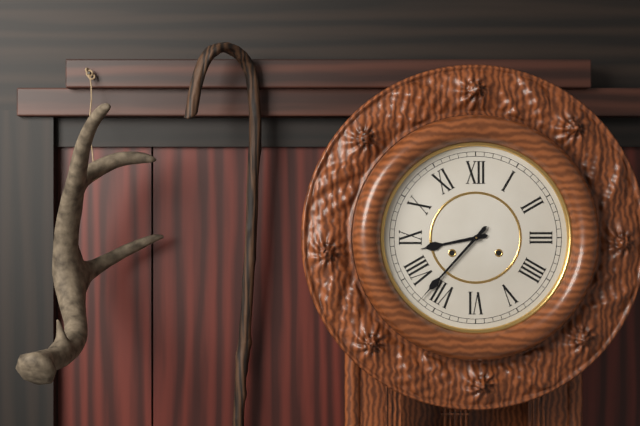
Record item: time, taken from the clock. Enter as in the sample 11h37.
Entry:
8h37
